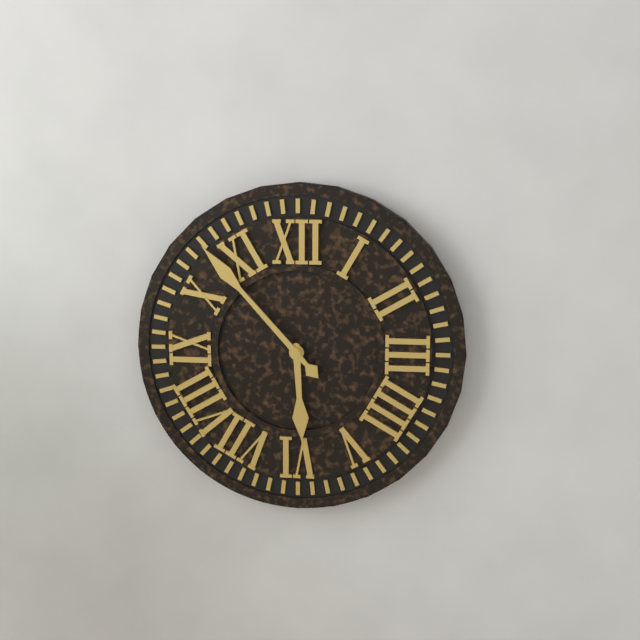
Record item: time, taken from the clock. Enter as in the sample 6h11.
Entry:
5h53
